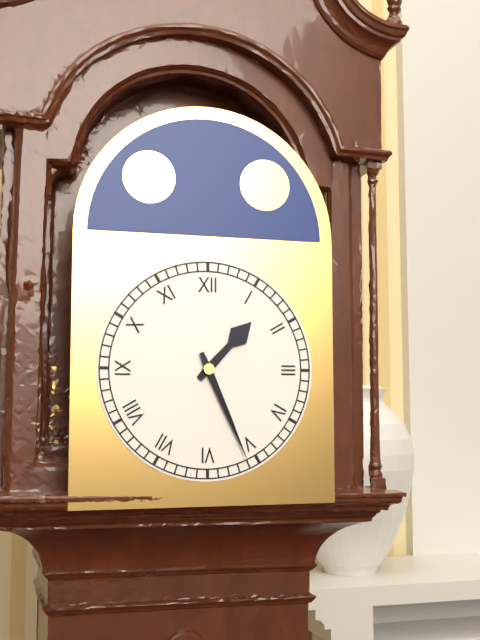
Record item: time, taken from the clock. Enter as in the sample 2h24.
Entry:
1h26
